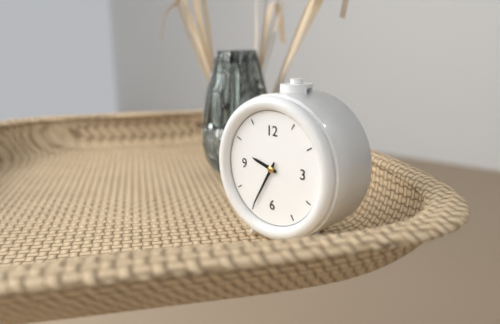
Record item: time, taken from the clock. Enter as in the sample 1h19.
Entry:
9h35
